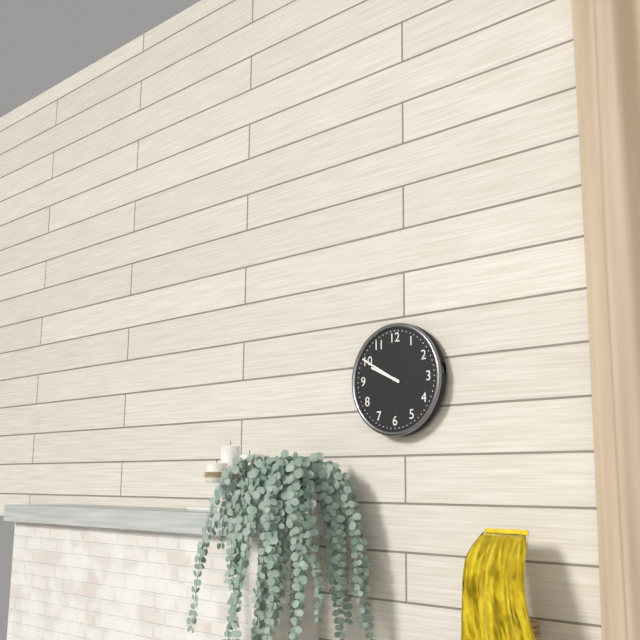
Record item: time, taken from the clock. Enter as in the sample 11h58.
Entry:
9h50
